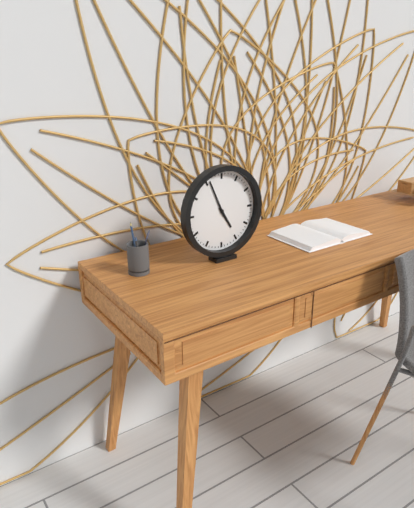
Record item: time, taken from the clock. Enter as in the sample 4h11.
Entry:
4h56
